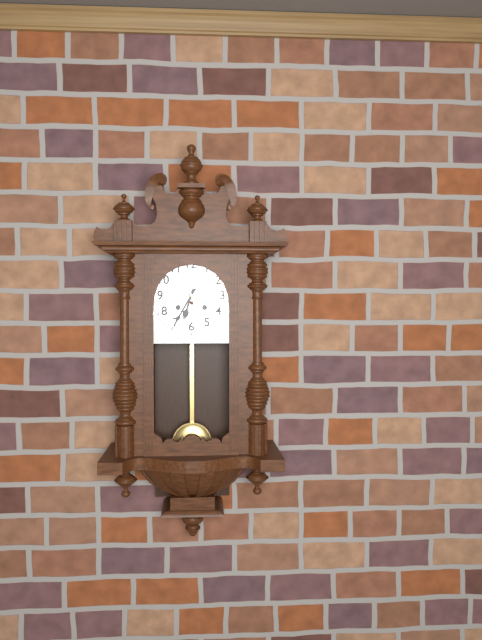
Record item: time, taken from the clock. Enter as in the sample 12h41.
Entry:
6h35
